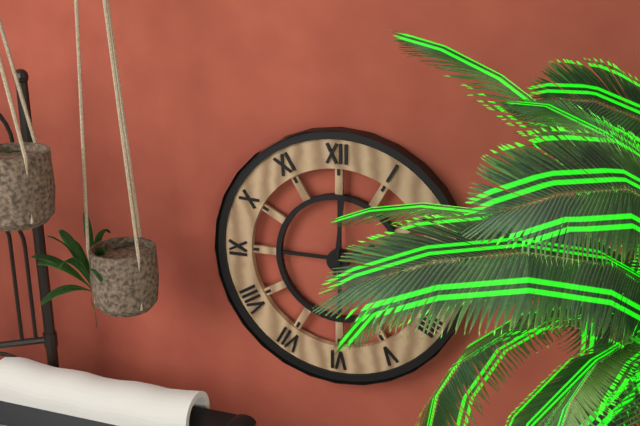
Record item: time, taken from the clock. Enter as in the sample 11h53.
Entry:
2h01
